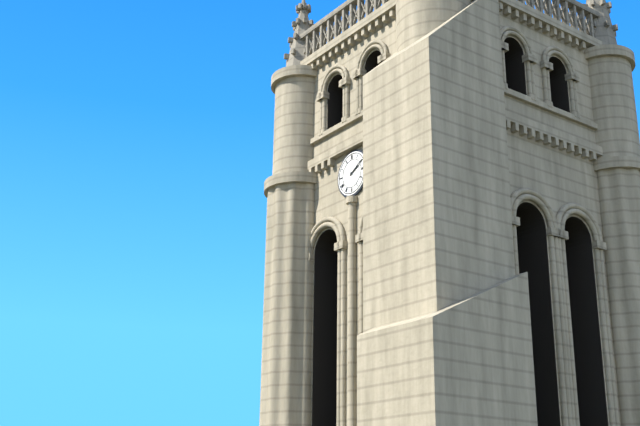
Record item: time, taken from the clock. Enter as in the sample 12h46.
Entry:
2h10
